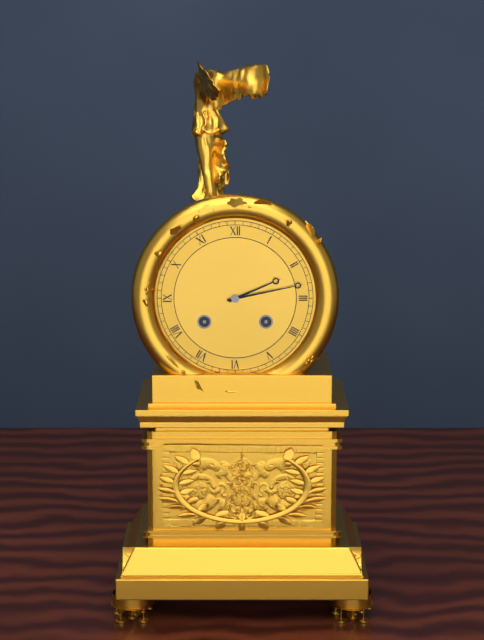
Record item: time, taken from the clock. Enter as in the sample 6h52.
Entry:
2h13
